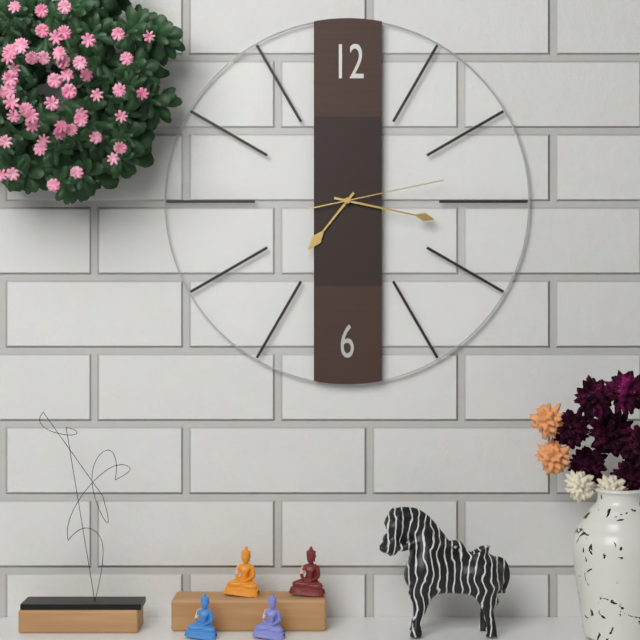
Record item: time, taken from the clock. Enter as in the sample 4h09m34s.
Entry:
7h17m13s
